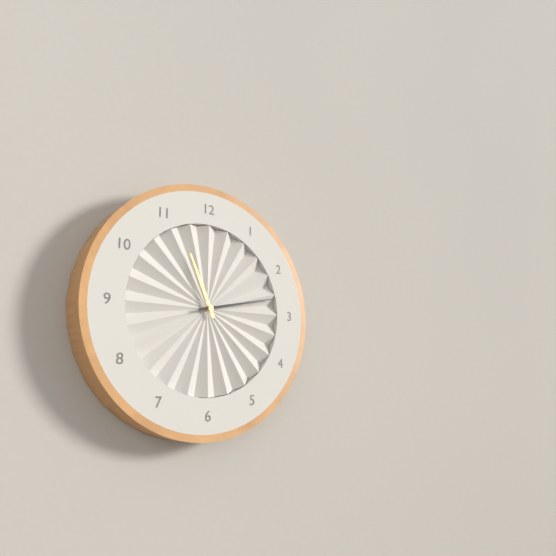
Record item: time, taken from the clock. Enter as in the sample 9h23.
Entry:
11h13
